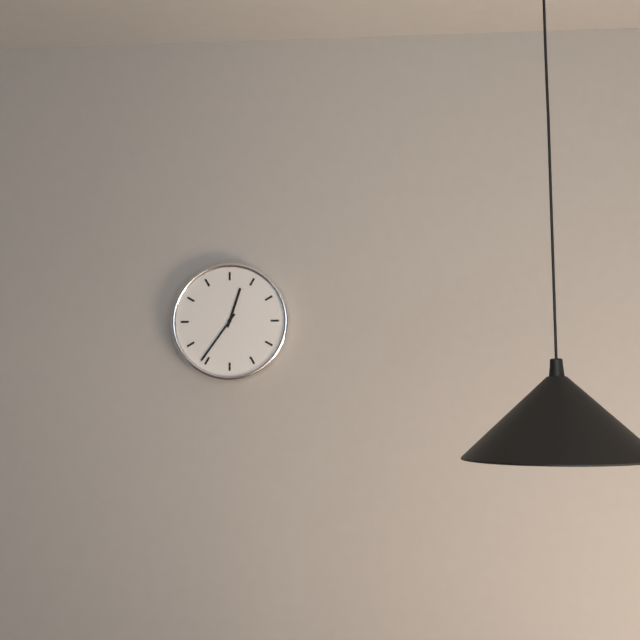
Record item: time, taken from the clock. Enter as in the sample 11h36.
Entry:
12h36
